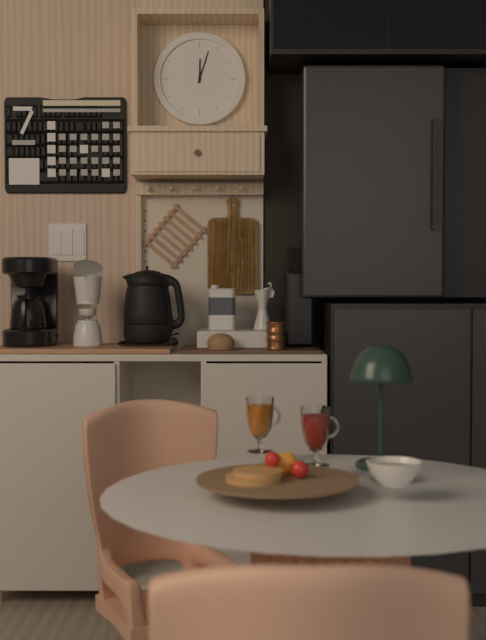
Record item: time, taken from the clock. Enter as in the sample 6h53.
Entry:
12h03
